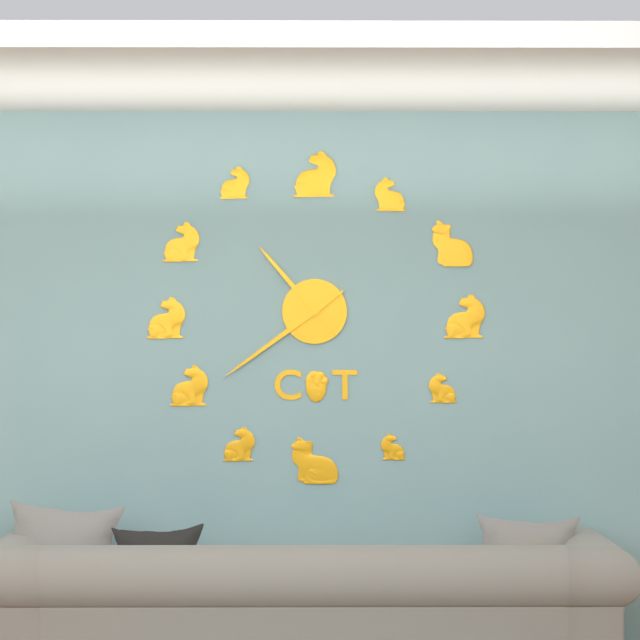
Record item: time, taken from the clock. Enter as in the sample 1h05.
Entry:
10h39
